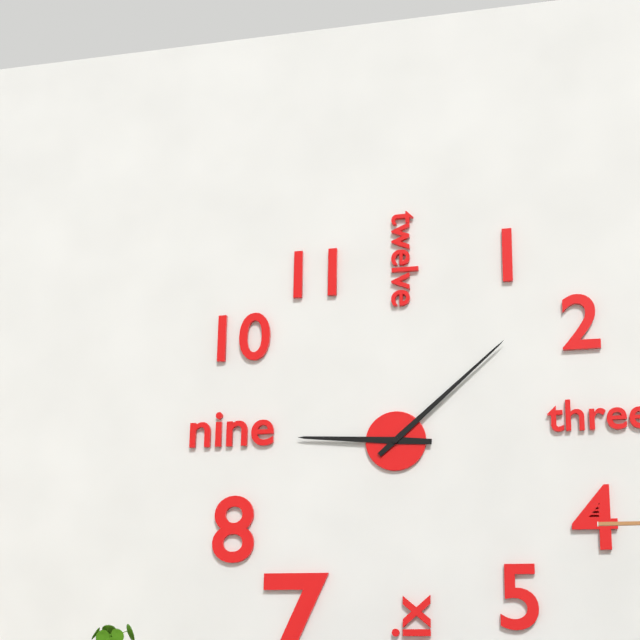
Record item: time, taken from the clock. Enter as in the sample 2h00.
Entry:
9h08
